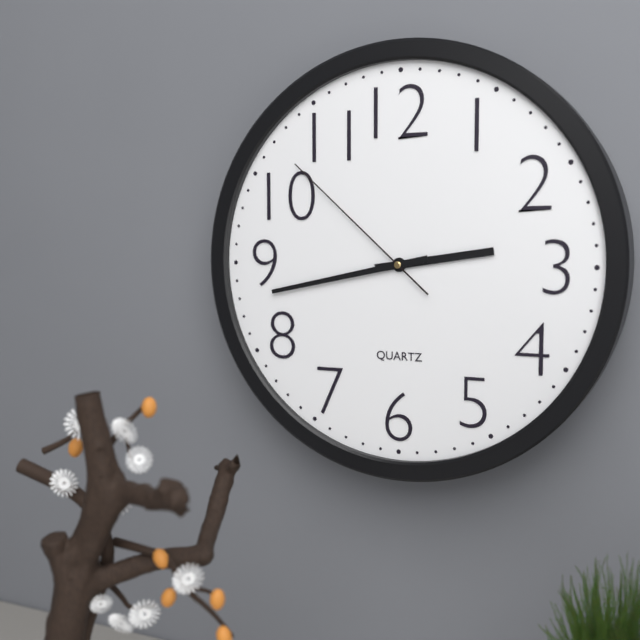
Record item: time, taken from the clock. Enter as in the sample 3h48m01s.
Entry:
2h43m52s
